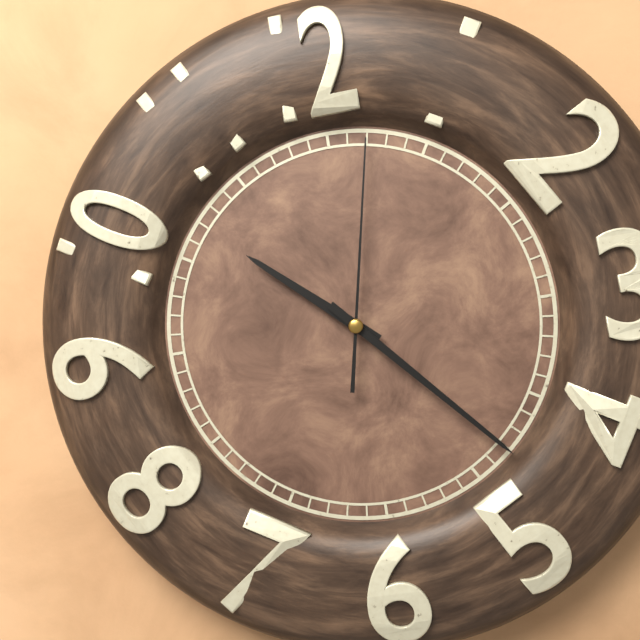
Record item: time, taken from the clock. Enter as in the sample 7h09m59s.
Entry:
10h23m02s
